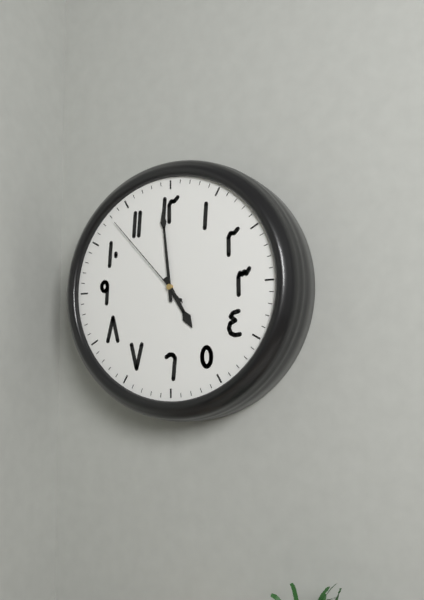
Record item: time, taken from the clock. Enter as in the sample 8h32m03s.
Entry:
4h59m53s
